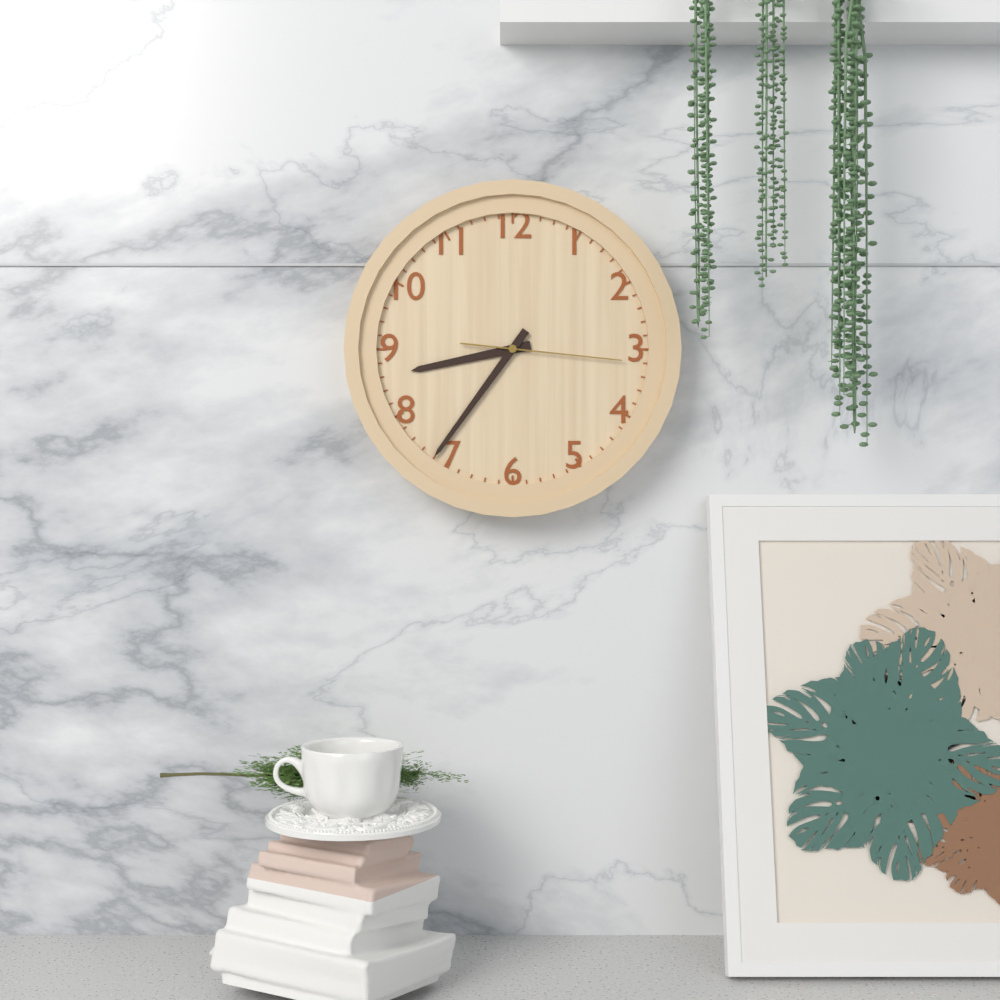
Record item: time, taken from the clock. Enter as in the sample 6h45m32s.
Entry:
8h36m16s
